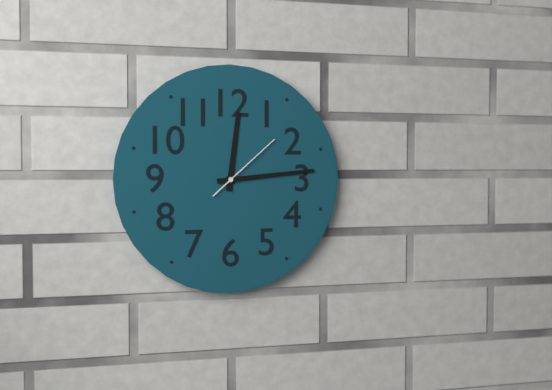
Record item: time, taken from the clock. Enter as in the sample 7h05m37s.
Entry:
12h14m08s
